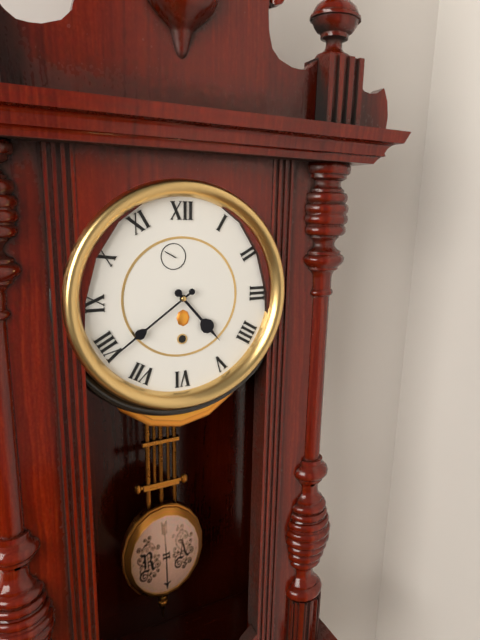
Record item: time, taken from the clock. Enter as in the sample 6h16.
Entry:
4h39
